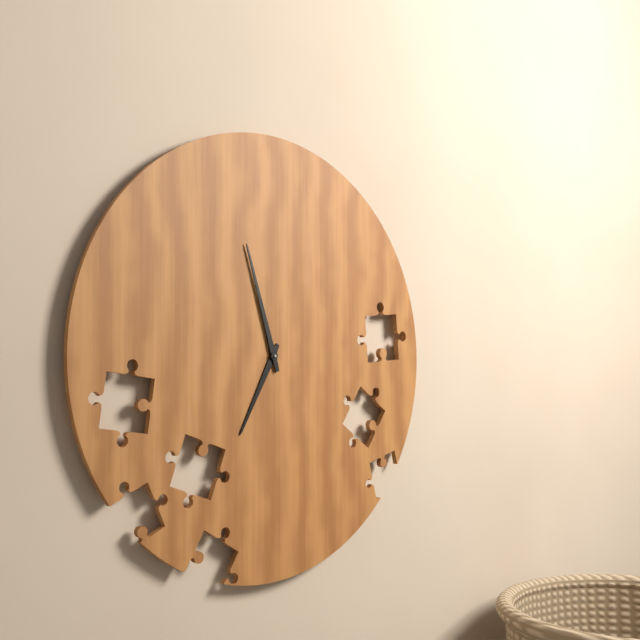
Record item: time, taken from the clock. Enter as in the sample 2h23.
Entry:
6h57
